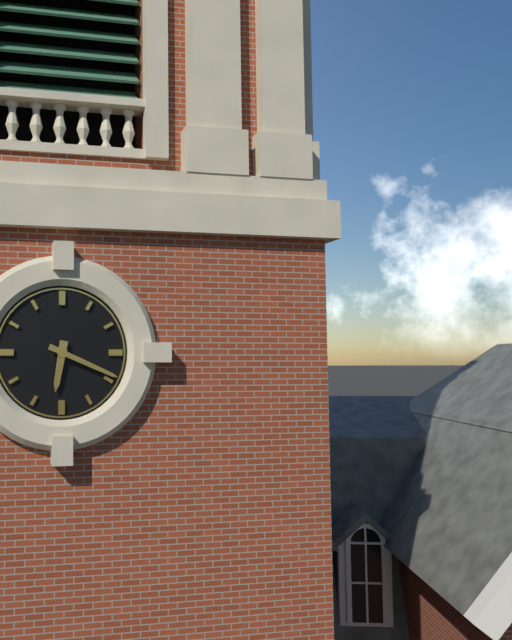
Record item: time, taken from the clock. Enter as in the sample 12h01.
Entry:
6h19
